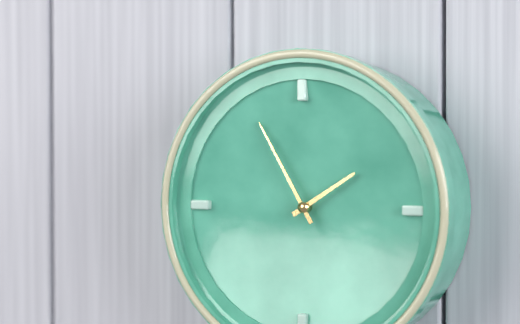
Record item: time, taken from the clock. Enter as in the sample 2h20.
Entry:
1h55
